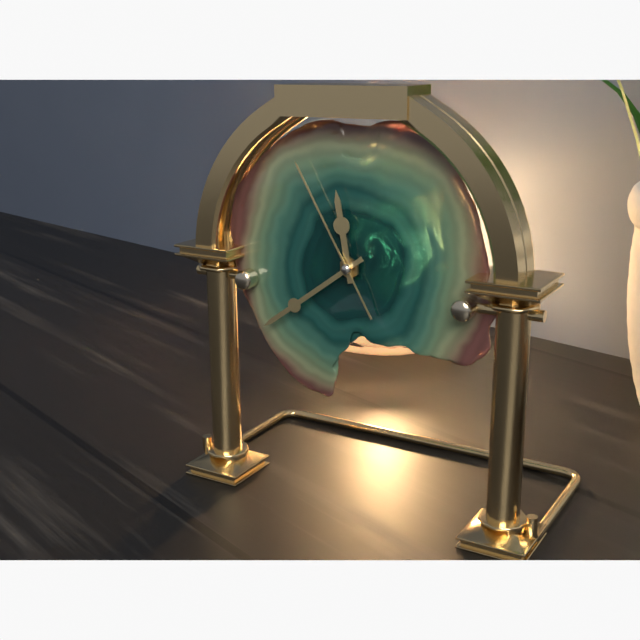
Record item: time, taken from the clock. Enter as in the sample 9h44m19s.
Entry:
11h39m55s
